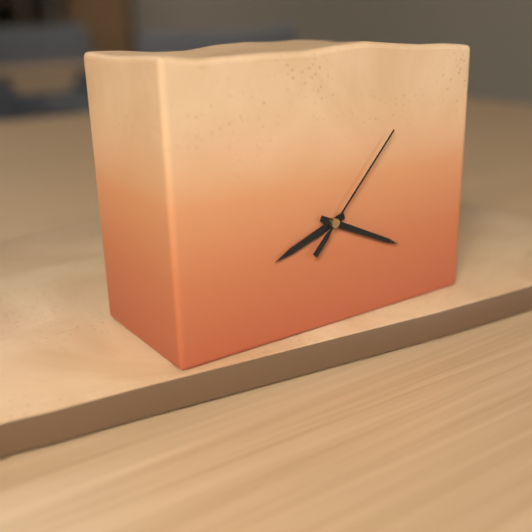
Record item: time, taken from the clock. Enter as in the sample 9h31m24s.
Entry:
8h19m07s
